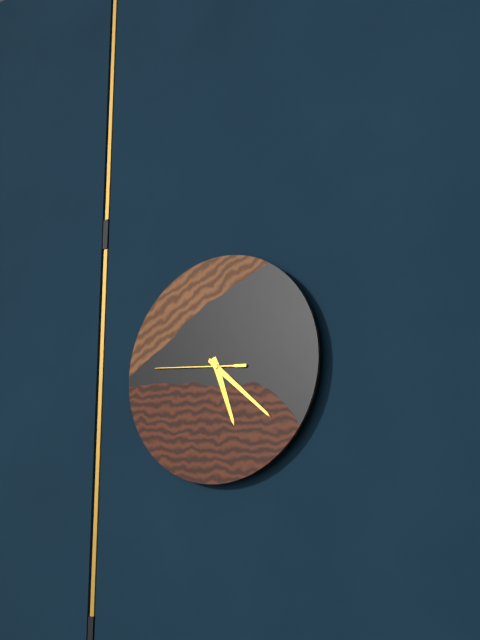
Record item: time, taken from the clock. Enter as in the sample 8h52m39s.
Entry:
5h22m46s
